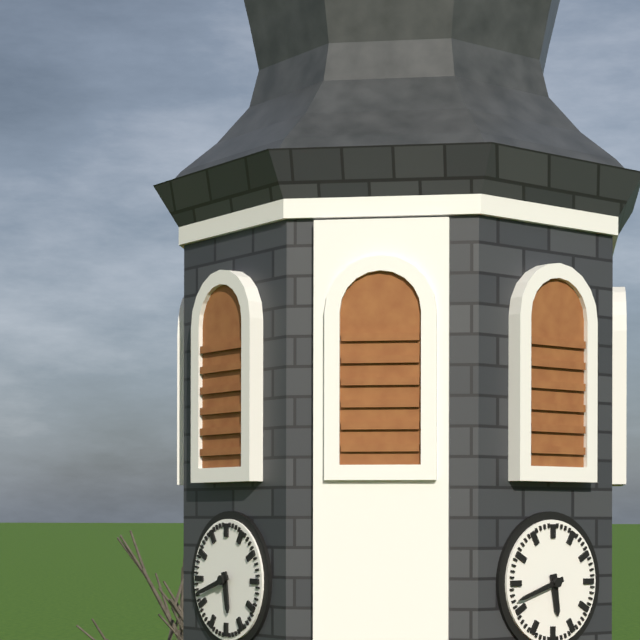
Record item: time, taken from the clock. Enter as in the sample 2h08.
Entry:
5h42
